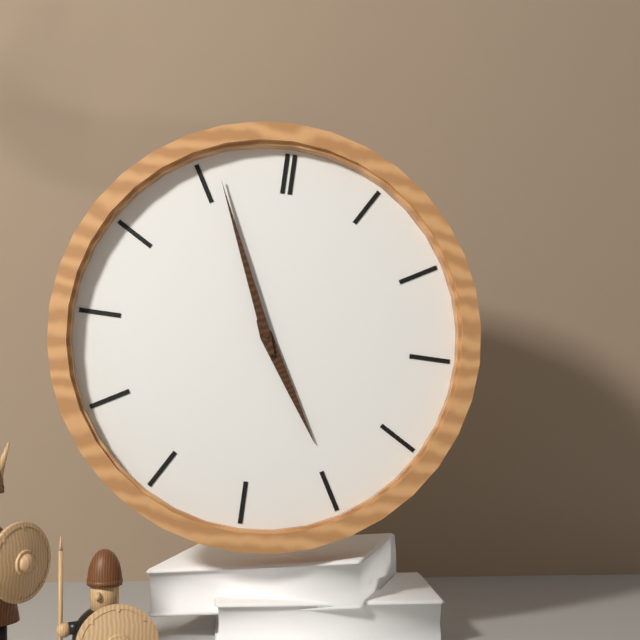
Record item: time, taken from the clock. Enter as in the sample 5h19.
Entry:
4h56
